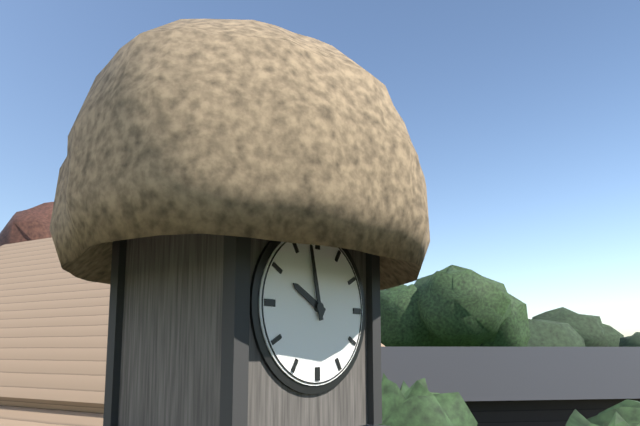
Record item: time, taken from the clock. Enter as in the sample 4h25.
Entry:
9h58
